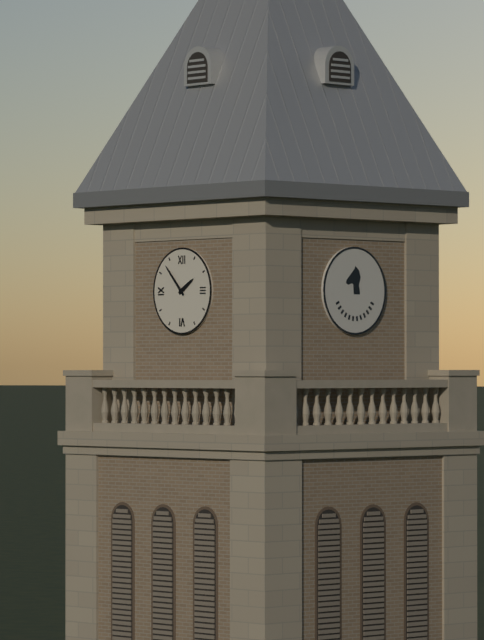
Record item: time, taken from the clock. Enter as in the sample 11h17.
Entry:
1h53
